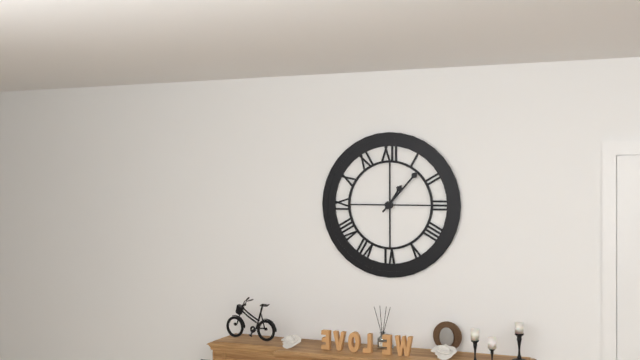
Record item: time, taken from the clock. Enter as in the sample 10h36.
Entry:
1h07
